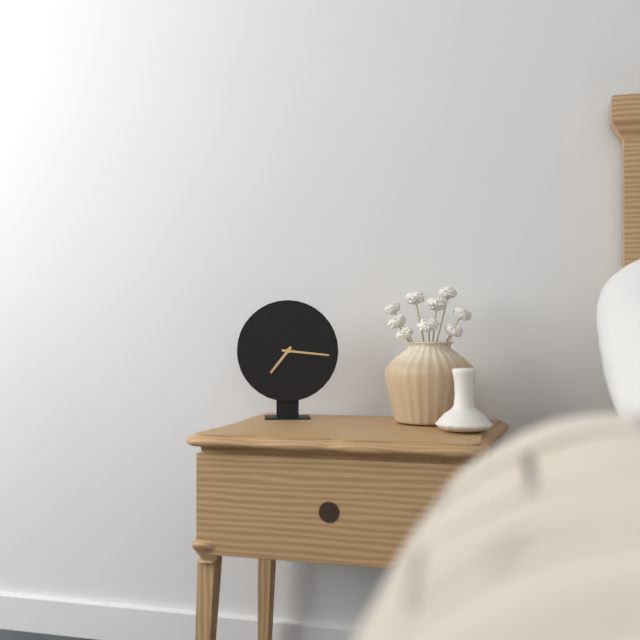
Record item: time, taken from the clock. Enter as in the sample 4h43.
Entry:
7h16
